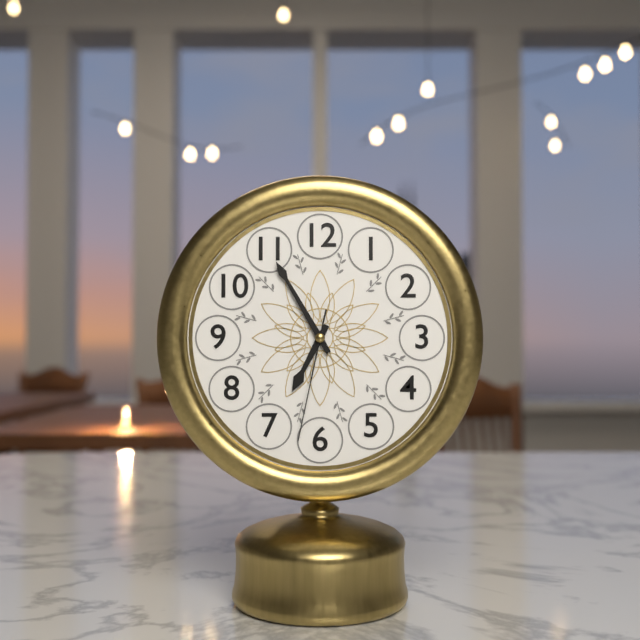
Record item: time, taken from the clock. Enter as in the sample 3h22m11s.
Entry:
6h55m32s
